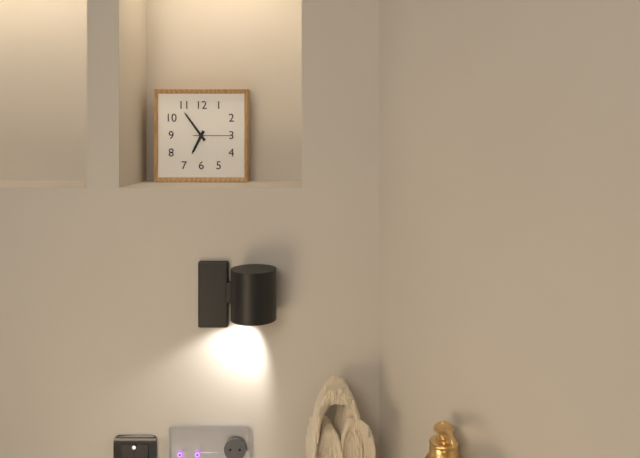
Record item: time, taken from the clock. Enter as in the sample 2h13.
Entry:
6h54
